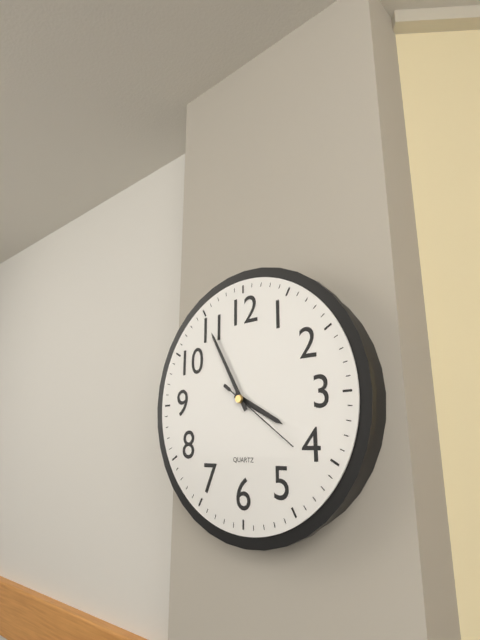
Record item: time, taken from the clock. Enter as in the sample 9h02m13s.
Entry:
3h55m21s
